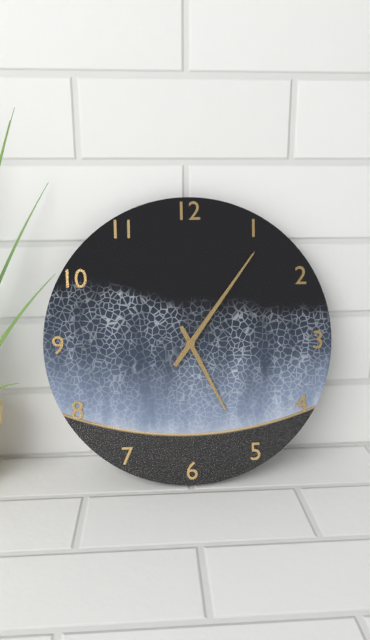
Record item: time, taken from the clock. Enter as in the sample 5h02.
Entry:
5h06
